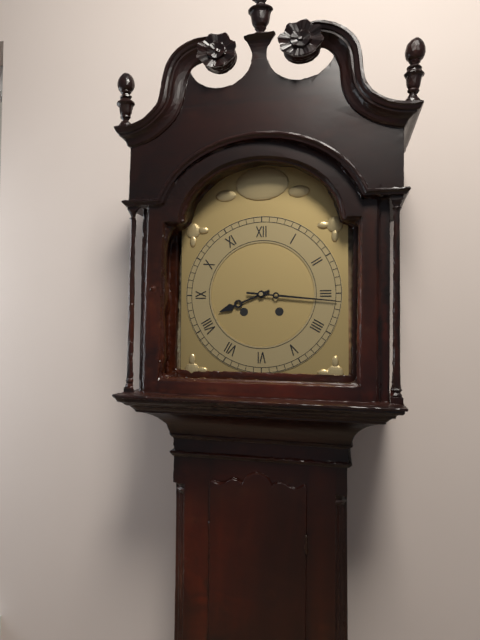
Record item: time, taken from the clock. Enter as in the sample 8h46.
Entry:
8h16
